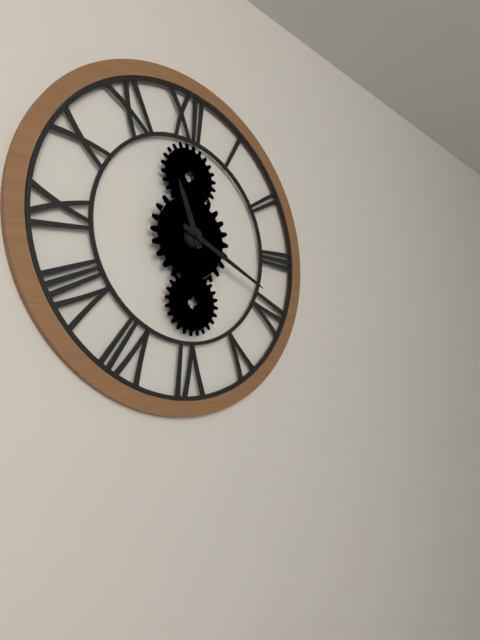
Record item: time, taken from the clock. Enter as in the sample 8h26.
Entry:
11h19
